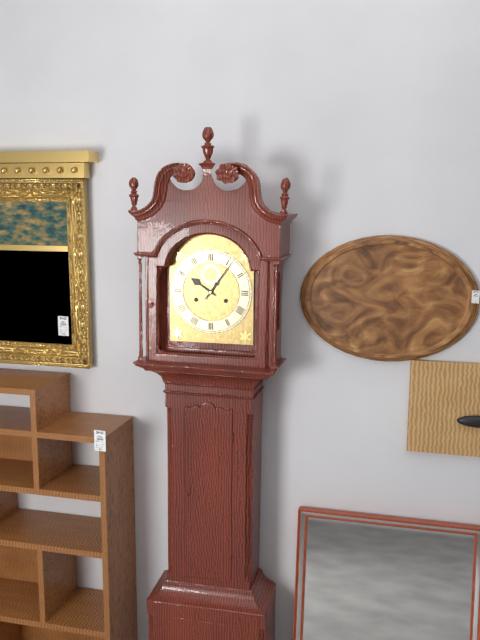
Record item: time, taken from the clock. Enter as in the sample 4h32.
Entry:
10h06
